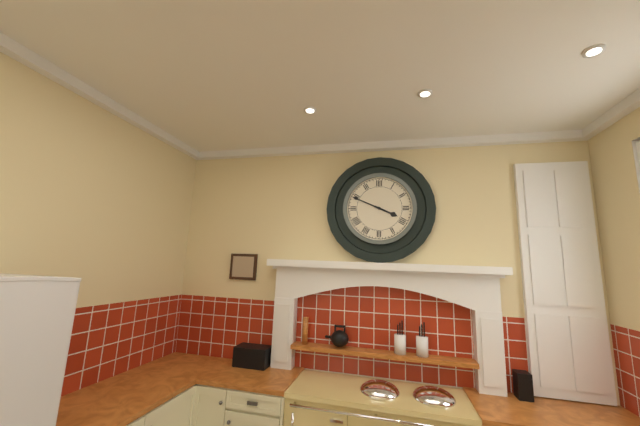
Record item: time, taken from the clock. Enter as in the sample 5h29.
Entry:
3h49
